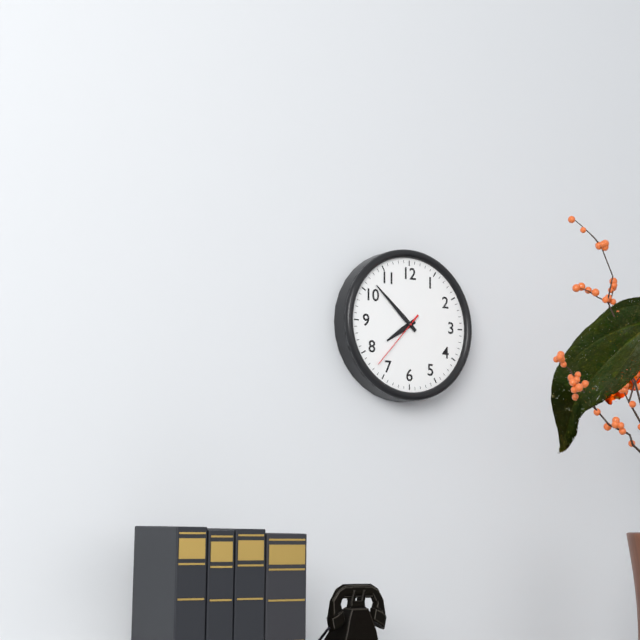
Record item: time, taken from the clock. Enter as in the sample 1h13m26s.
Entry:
7h52m37s
